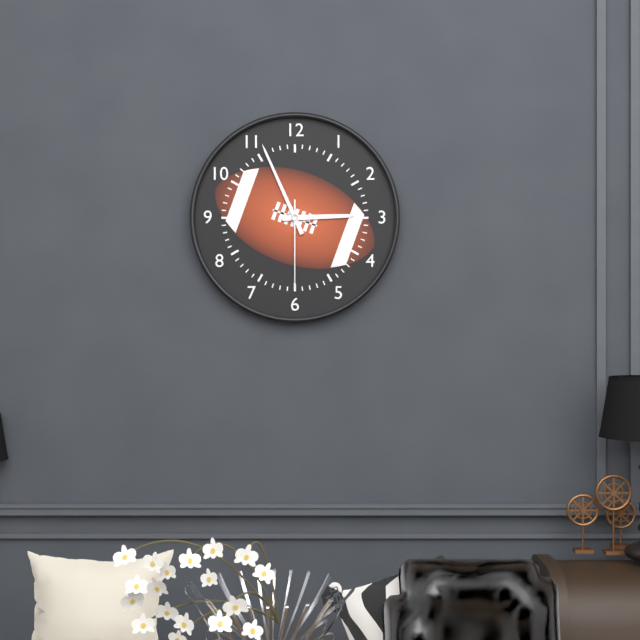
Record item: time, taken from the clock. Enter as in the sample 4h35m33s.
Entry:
2h56m30s
